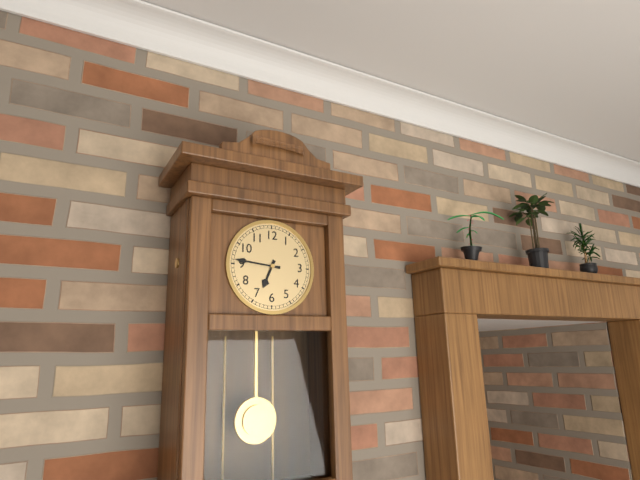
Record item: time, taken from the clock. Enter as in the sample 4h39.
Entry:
6h46
